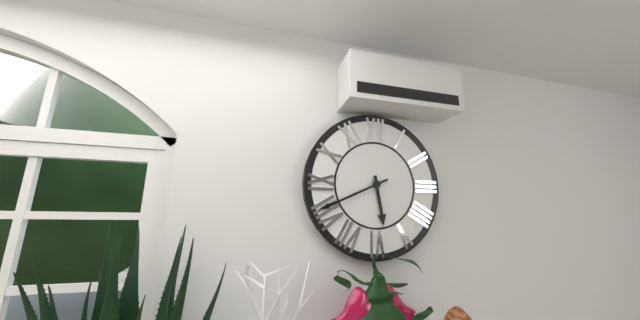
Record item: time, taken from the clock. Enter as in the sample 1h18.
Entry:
5h41
